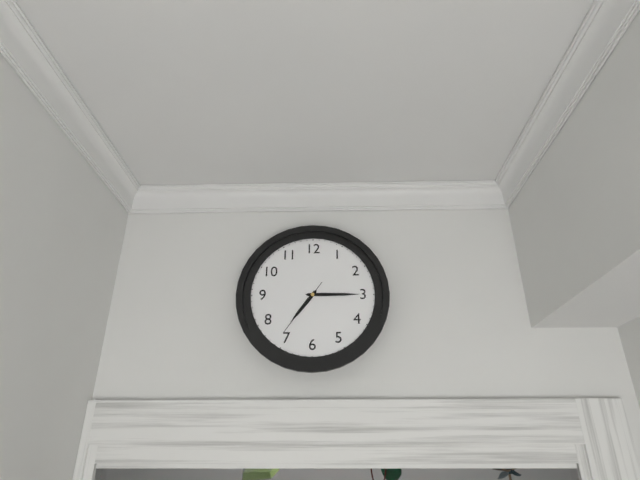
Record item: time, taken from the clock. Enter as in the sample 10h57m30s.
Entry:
7h15m36s
